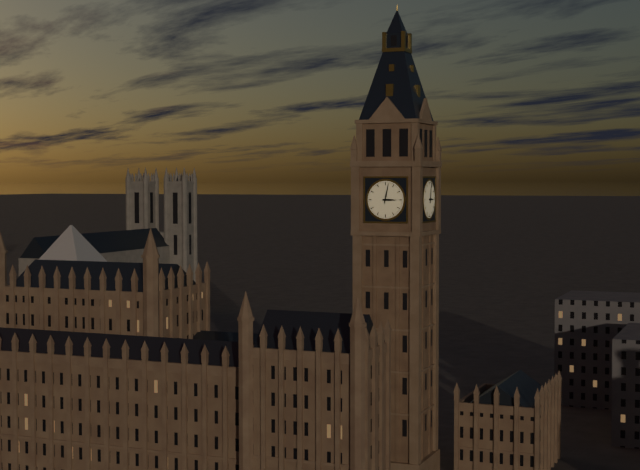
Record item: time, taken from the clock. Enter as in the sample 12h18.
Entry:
3h02
